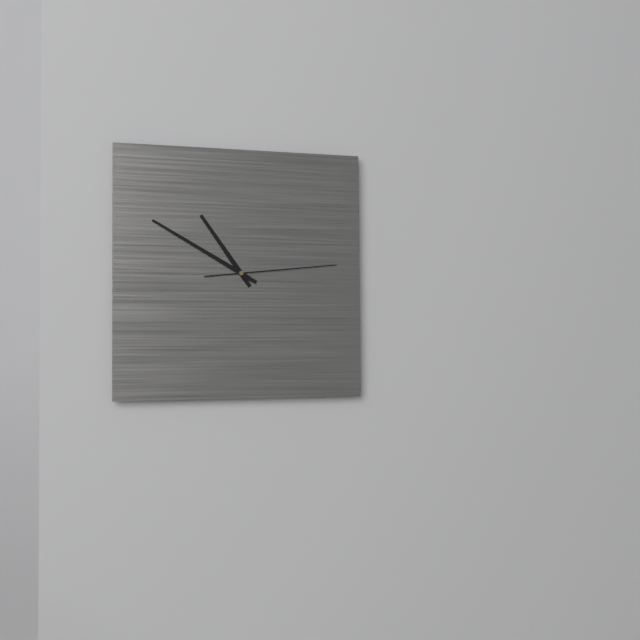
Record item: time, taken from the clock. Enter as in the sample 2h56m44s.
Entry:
10h50m14s
